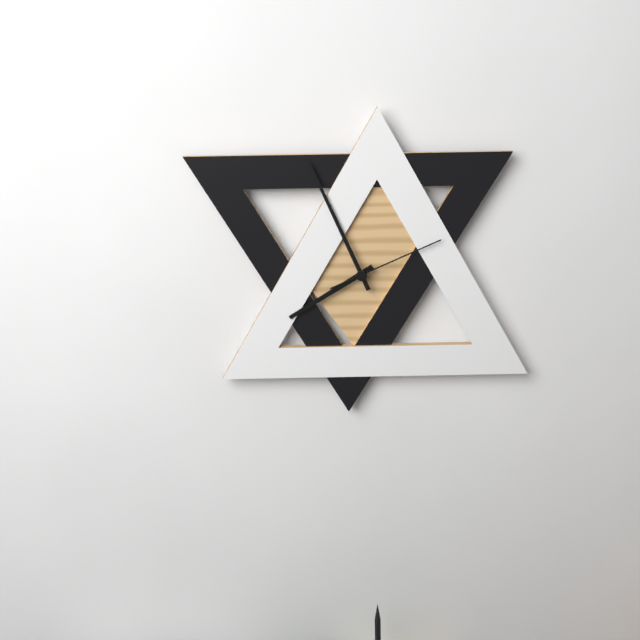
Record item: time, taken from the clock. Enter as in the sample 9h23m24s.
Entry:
7h56m11s
